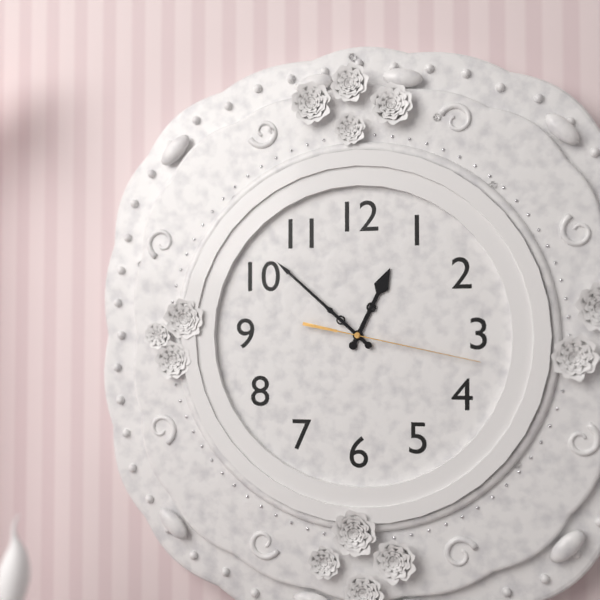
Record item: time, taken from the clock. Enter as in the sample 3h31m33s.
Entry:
12h52m17s
